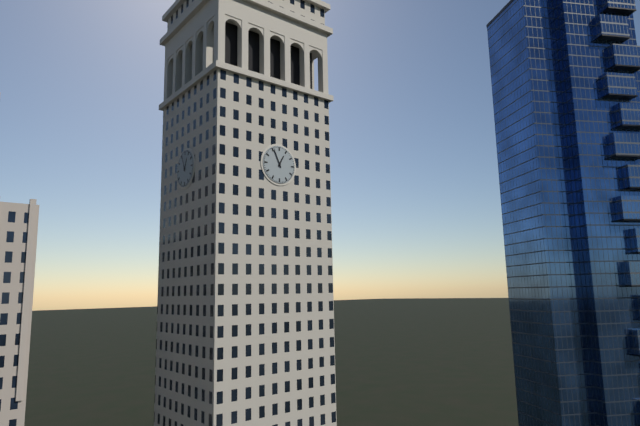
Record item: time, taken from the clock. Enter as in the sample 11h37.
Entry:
12h56
